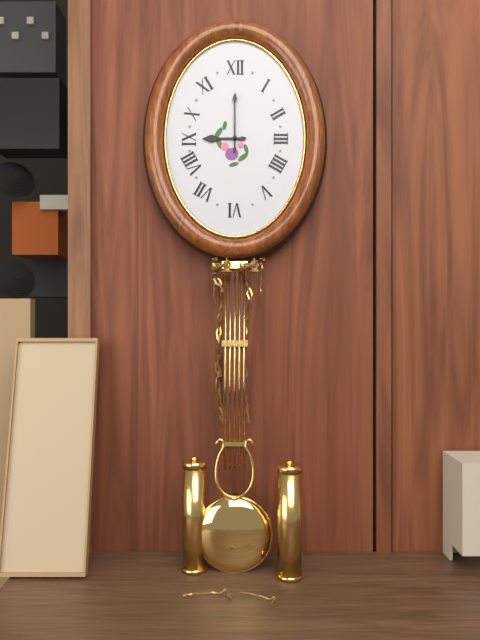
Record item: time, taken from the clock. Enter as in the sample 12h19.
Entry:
9h00
